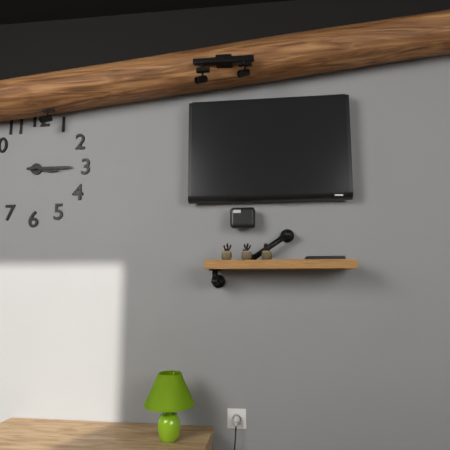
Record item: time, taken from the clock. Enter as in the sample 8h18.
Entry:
3h15
